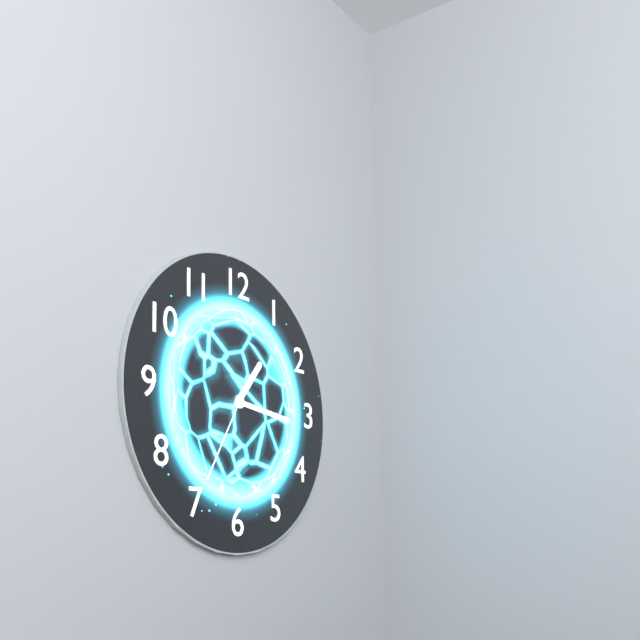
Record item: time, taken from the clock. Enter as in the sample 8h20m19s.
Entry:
1h16m35s
